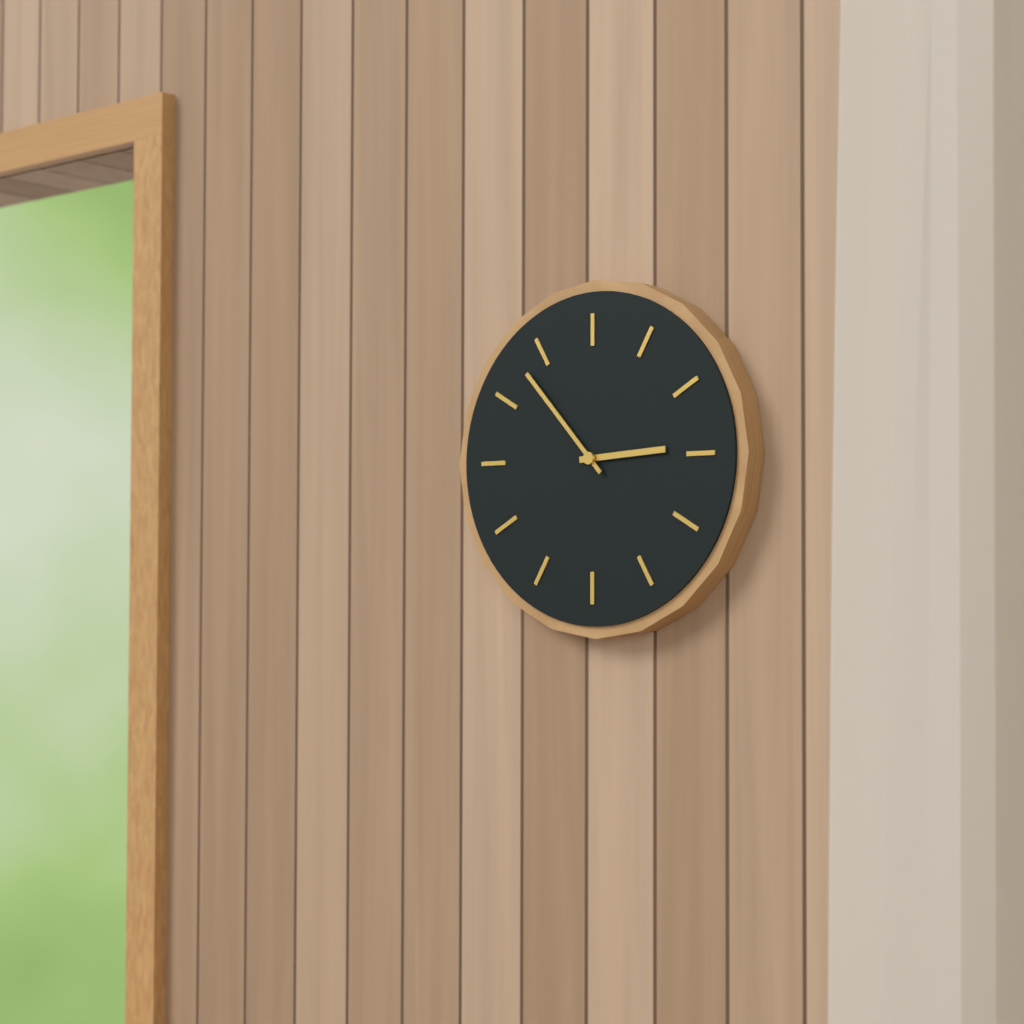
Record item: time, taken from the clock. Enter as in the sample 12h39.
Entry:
2h53
